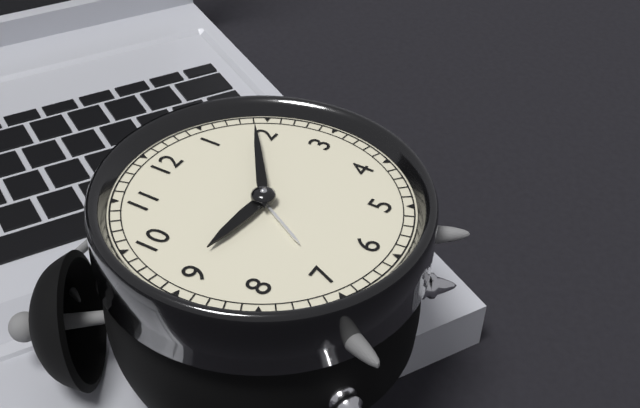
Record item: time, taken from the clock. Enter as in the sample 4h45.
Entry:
9h09
